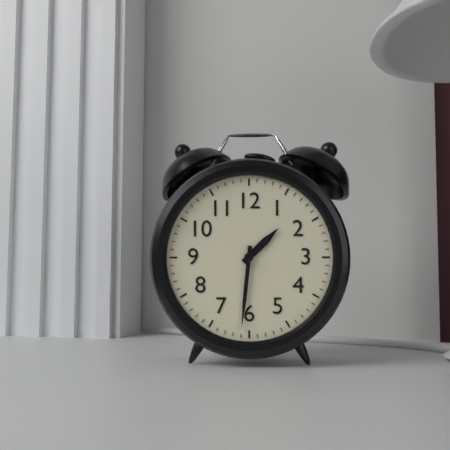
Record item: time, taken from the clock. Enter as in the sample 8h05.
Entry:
1h31
